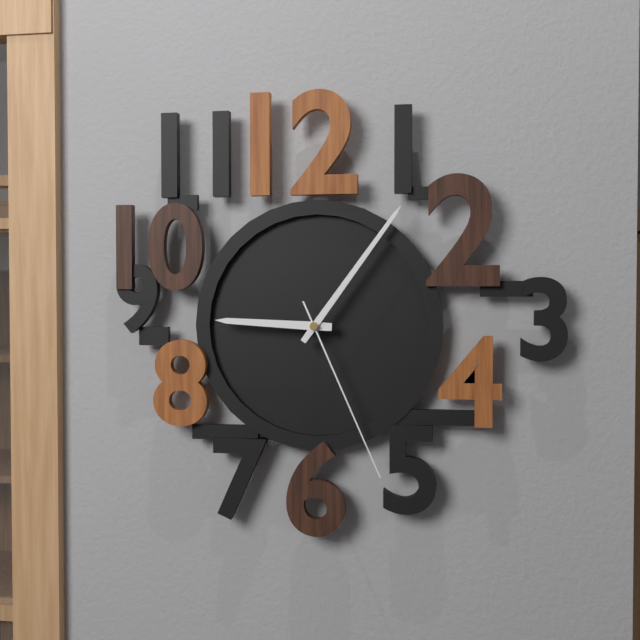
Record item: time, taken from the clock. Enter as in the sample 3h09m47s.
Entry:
9h06m26s
